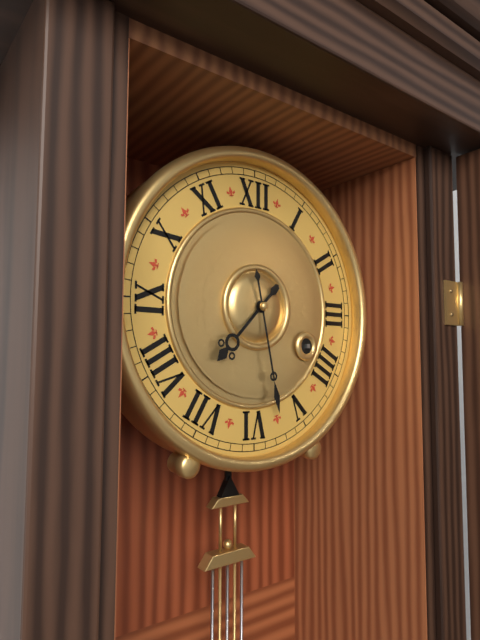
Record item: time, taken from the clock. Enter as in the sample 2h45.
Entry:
7h28
